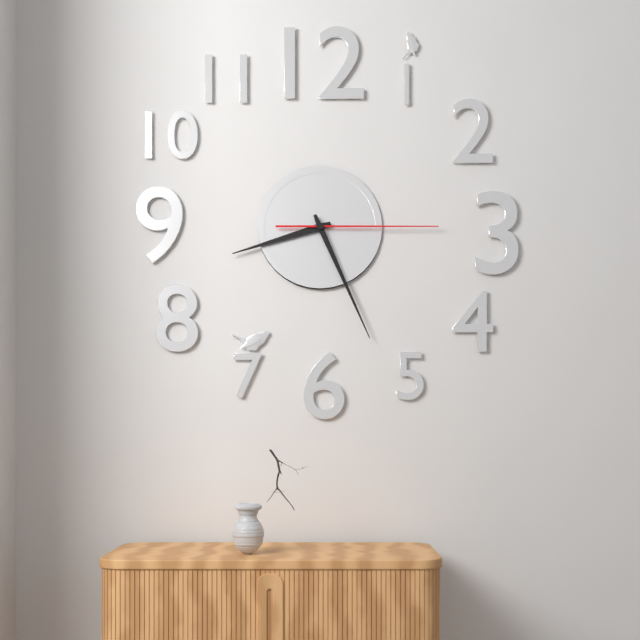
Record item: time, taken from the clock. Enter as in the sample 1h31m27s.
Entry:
8h26m15s
